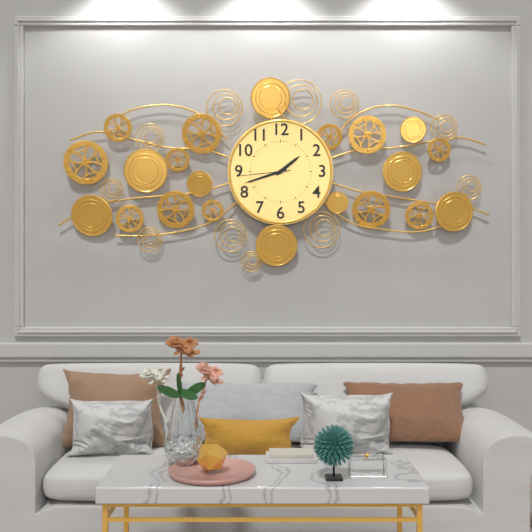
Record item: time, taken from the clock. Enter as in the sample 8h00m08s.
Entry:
1h42m44s
